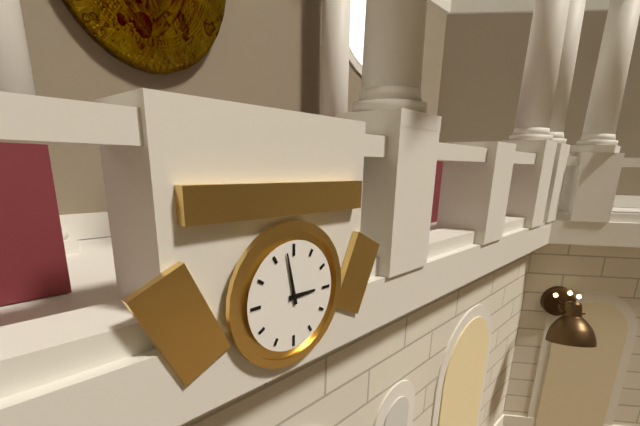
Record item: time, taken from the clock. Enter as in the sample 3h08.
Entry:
2h58
